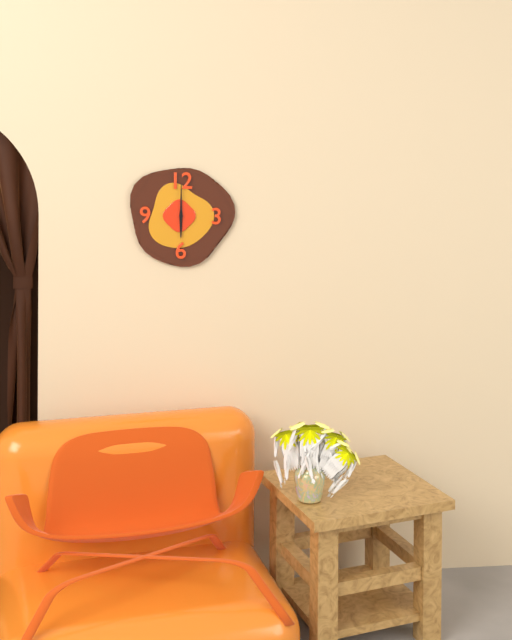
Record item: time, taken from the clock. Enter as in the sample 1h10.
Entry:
6h00
